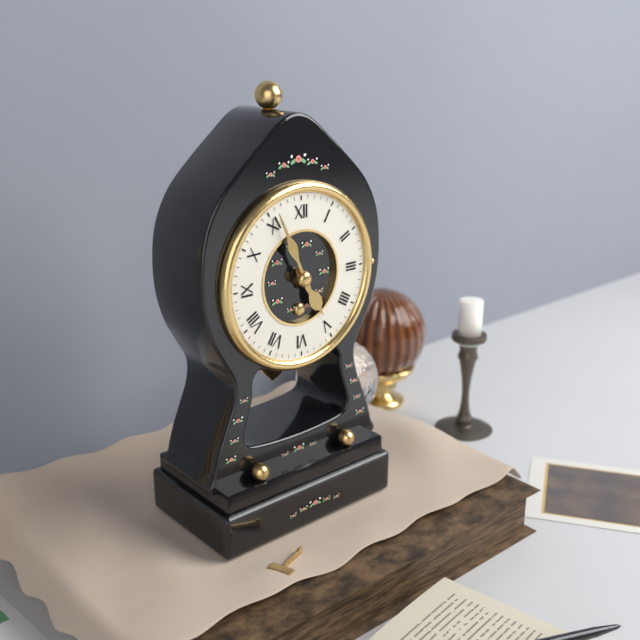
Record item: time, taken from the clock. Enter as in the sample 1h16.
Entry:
4h56
